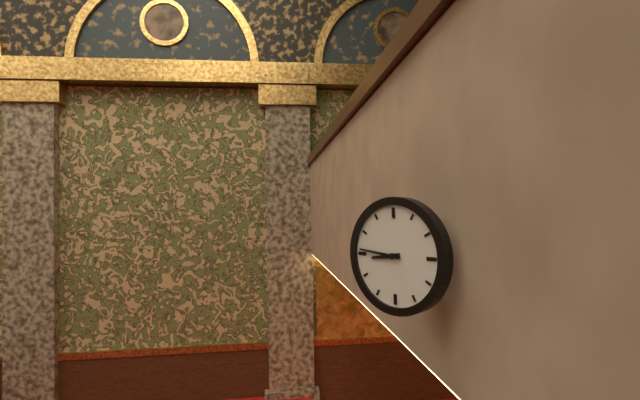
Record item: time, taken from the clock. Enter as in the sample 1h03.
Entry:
8h46
